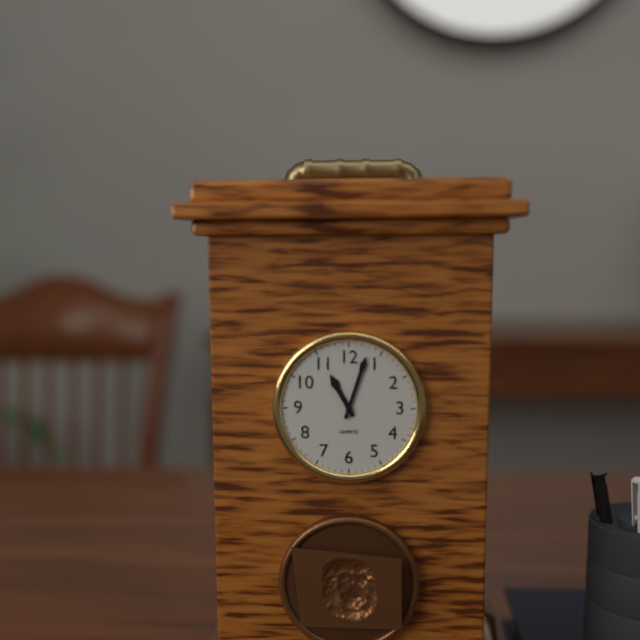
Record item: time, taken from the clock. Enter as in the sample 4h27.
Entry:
11h03
